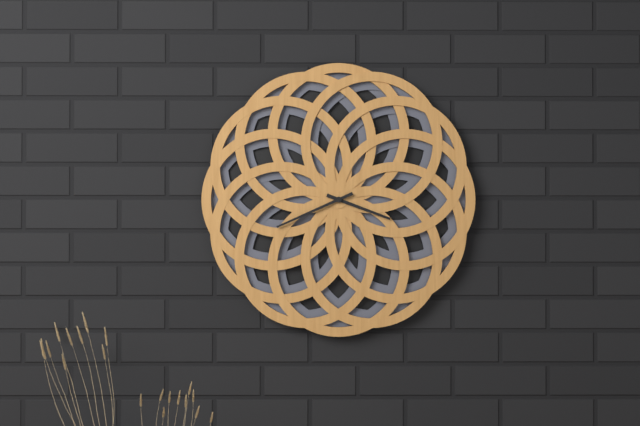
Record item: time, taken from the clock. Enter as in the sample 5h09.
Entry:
3h41
